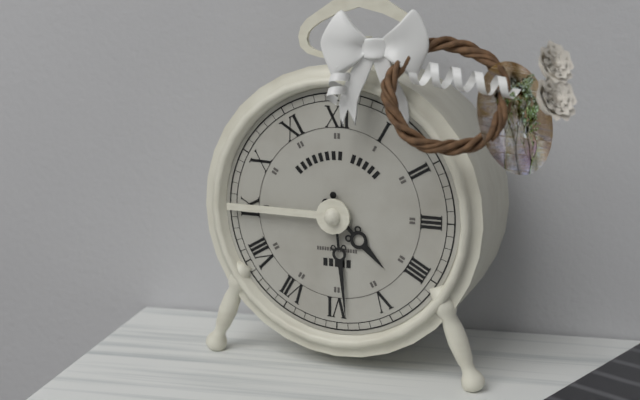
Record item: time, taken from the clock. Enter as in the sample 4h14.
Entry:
4h29
